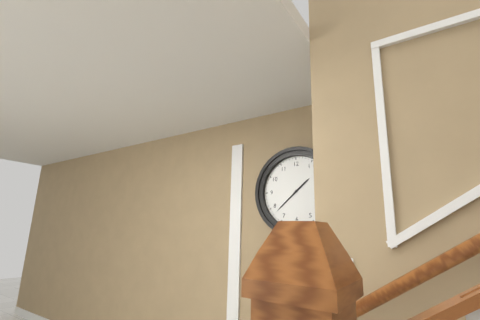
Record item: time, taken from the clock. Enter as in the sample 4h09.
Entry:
1h38
